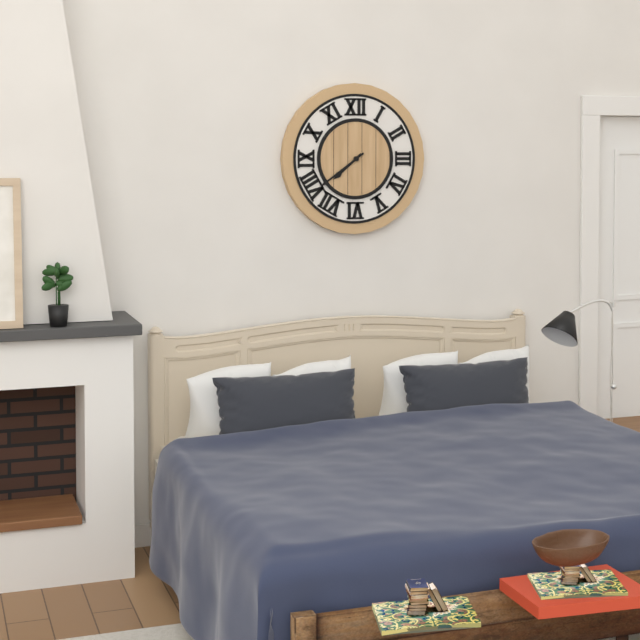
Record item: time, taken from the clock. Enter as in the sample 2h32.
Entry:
7h39
